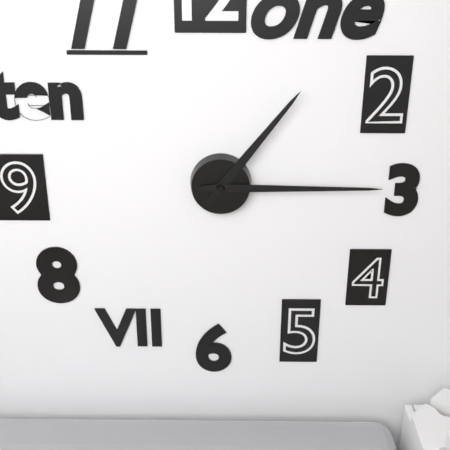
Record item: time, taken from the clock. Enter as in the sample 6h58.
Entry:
1h15
